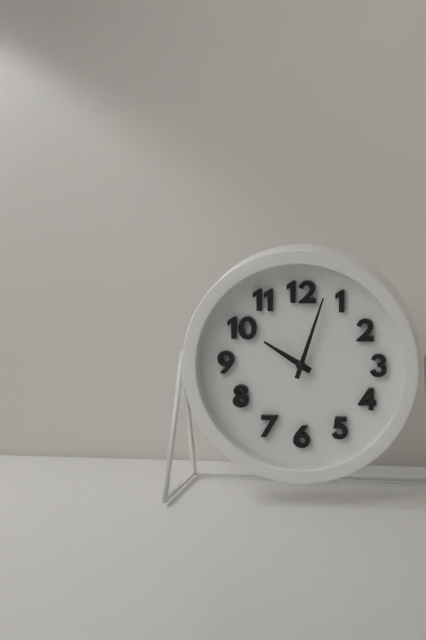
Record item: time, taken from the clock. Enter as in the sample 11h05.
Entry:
10h03
